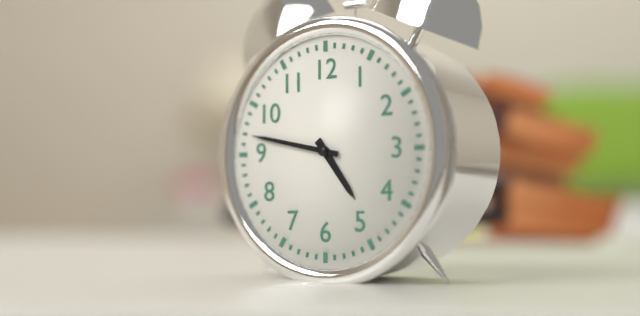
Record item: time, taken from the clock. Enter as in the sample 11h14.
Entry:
4h47
